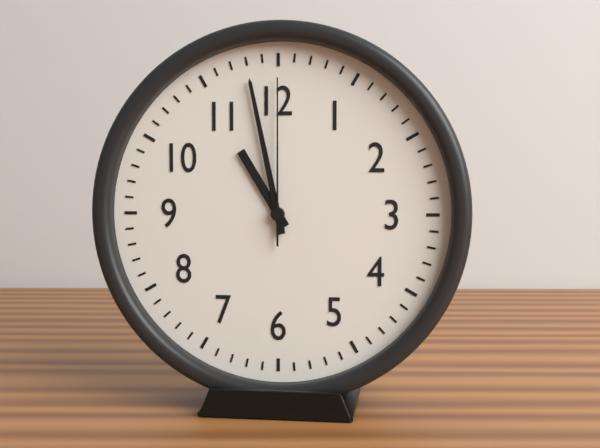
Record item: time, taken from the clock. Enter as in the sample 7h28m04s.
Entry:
10h58m00s
